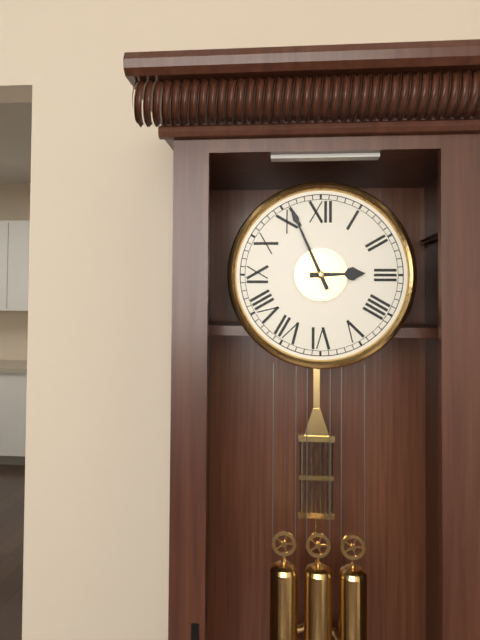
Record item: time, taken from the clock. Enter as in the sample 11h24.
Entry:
2h56
